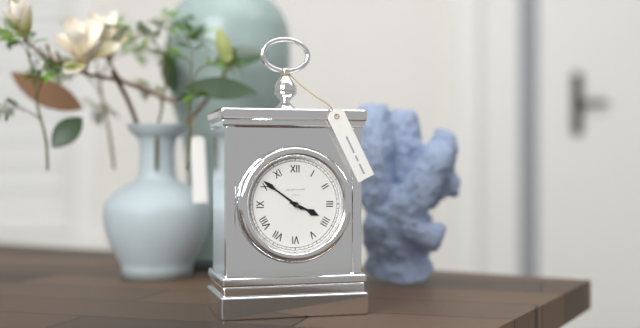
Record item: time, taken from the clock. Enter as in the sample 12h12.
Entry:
3h51
